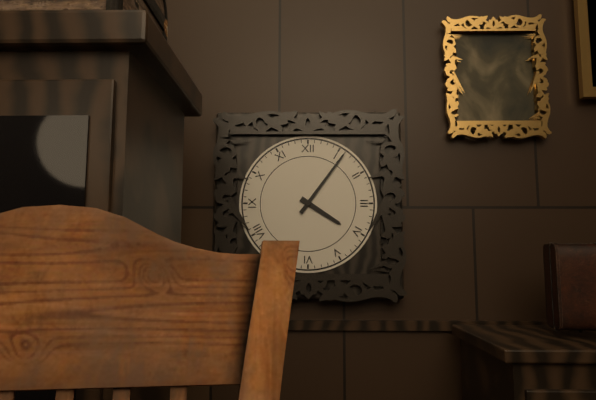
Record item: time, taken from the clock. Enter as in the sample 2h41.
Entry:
4h06
